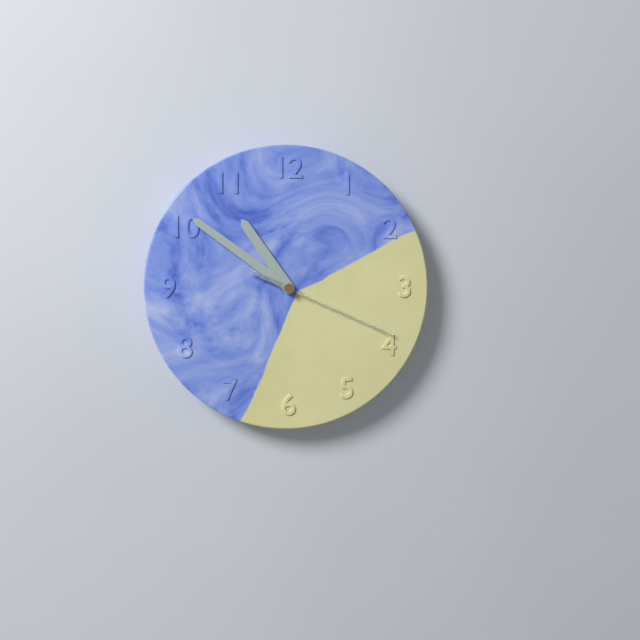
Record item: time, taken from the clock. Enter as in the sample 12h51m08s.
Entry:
10h51m19s
